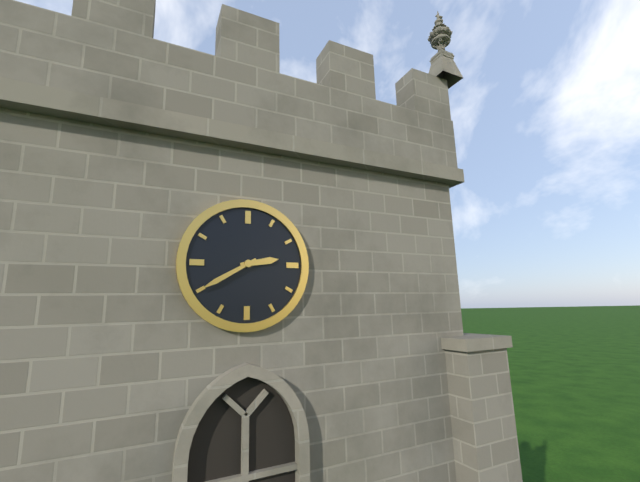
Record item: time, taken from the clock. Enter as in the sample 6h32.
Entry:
2h40
